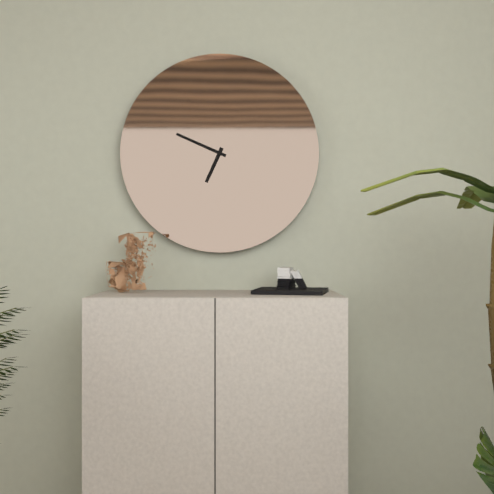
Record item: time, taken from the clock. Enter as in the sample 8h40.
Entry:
6h49
